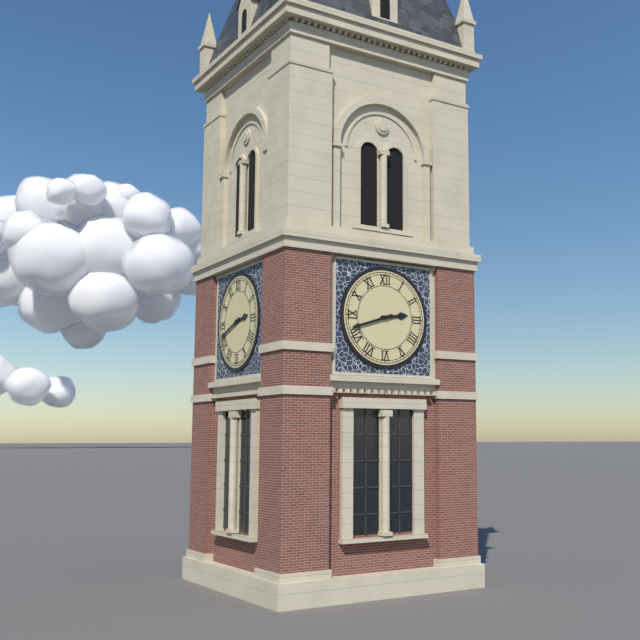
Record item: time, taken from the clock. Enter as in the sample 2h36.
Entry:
2h42
